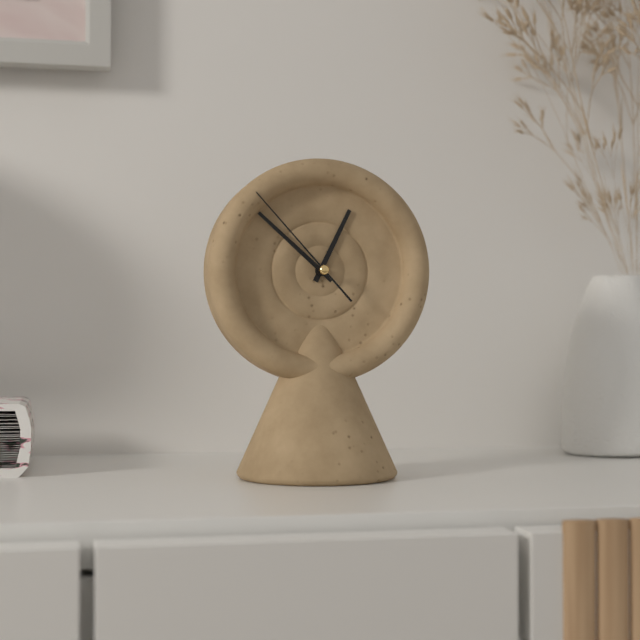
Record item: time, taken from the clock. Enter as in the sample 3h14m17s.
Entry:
12h52m53s
